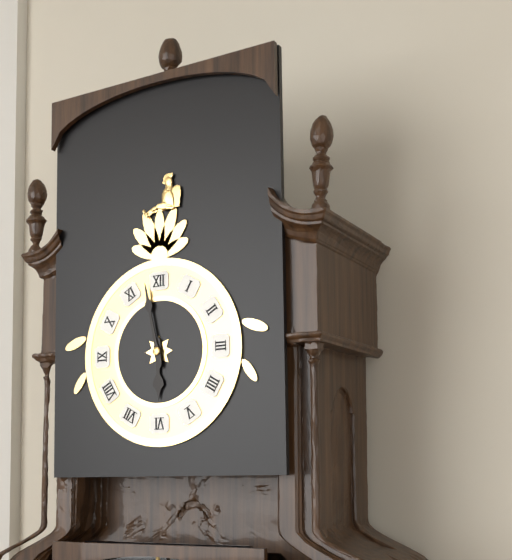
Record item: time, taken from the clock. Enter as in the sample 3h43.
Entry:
5h58
